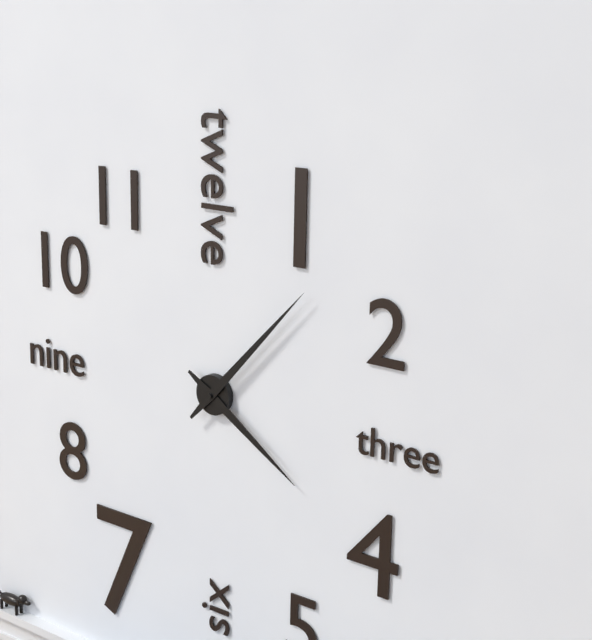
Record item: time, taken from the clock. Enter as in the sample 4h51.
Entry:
4h07
